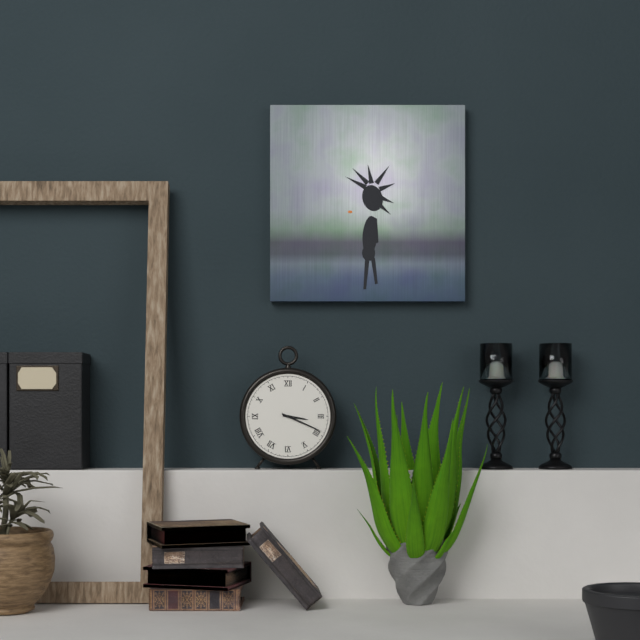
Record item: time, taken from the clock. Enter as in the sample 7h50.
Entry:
3h19
